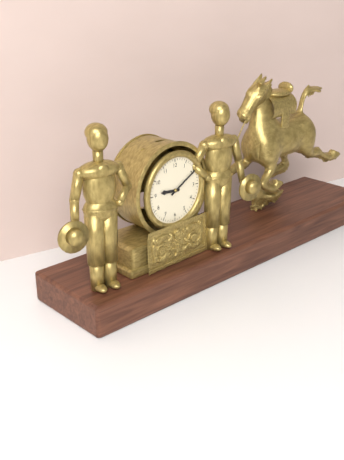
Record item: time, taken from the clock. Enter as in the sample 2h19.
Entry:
9h10
